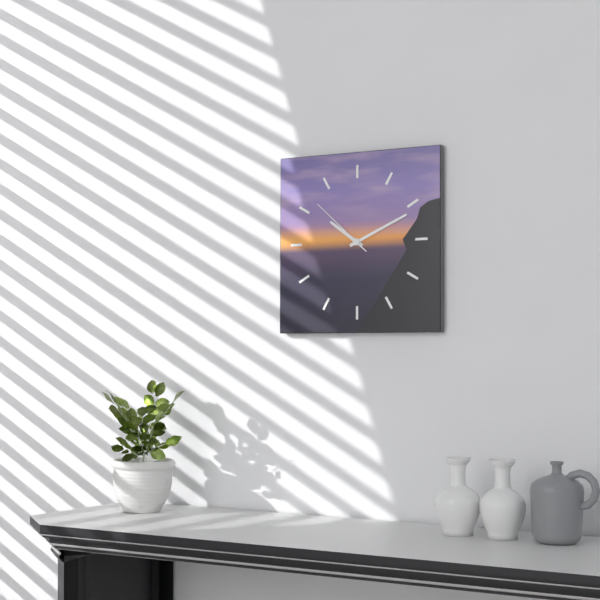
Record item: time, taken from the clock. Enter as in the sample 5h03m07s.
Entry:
10h11m52s
